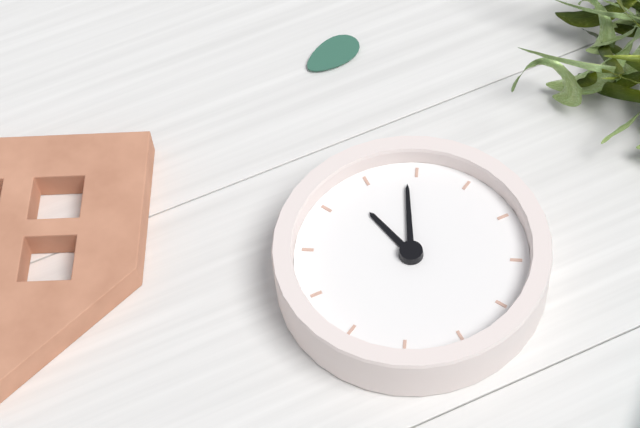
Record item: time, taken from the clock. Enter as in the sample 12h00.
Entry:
5h34
